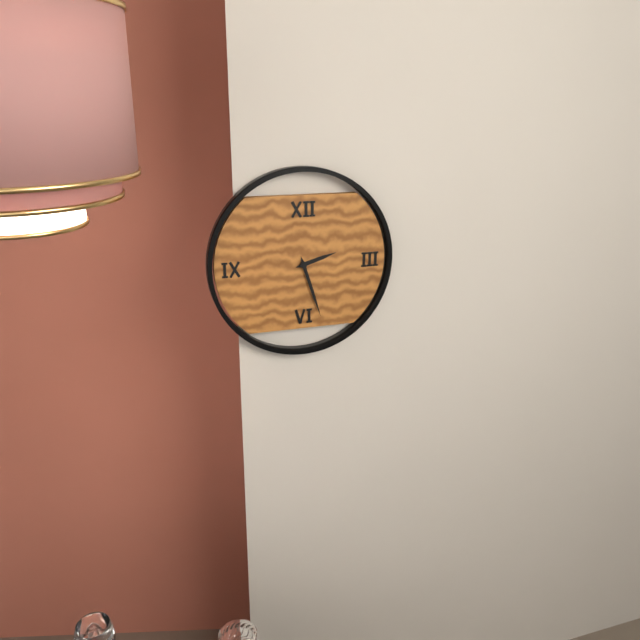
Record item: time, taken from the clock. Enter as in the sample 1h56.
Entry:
2h27
